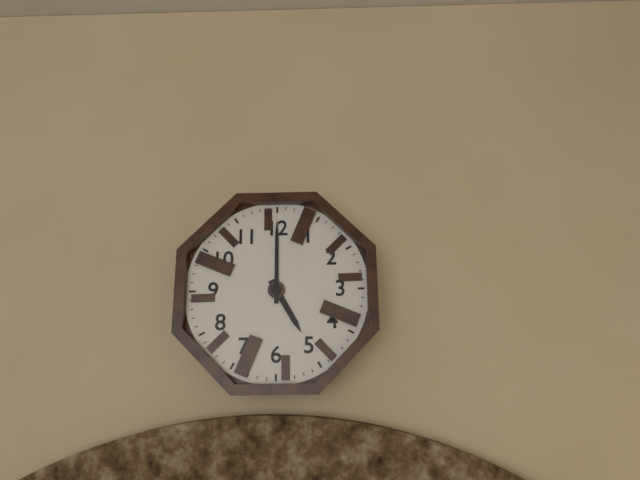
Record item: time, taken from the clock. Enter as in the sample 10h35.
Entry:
5h00
